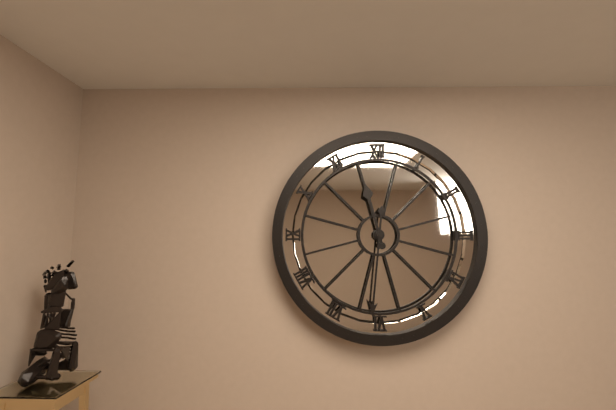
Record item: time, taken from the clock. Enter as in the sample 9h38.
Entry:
11h31
